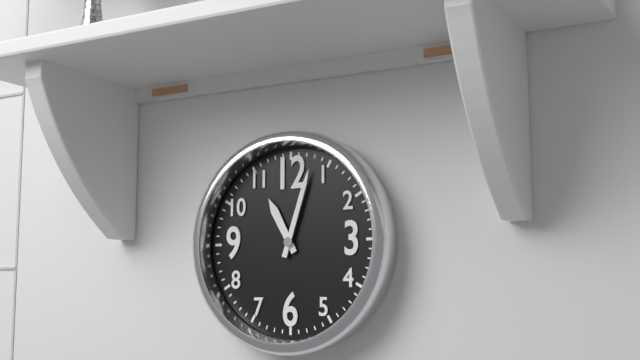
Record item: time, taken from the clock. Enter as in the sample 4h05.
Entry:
11h03
